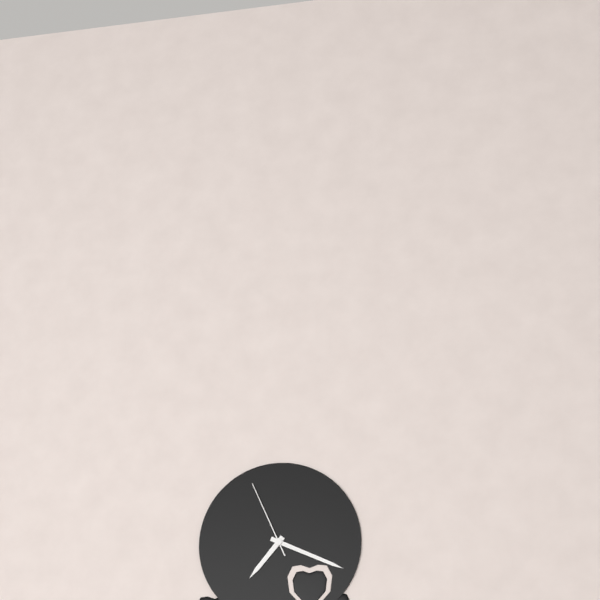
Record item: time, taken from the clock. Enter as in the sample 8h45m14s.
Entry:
7h19m56s
